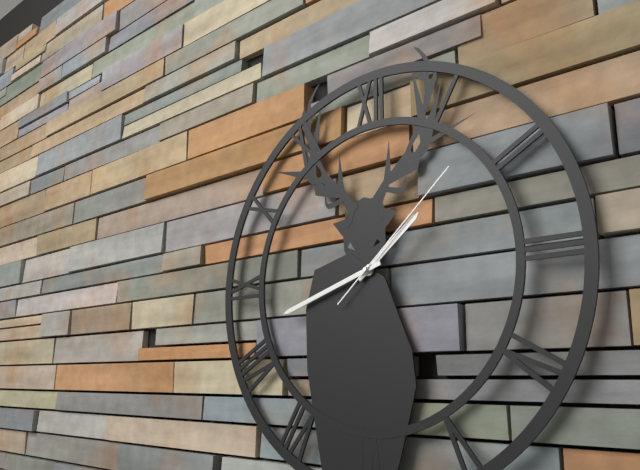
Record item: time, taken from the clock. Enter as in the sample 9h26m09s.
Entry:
1h42m08s
